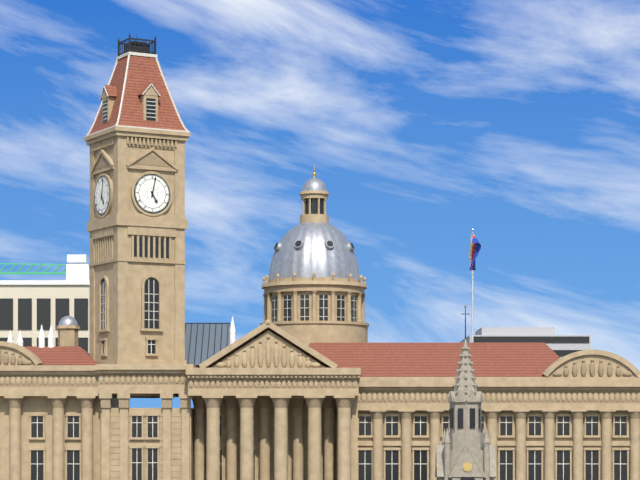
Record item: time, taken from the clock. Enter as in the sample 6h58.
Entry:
5h02
